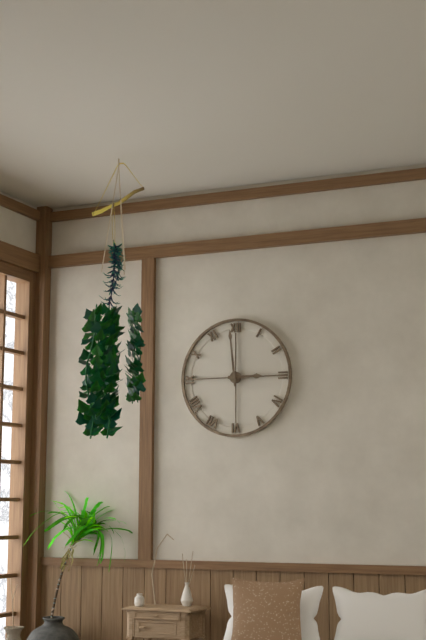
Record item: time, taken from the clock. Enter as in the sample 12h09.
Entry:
2h59
